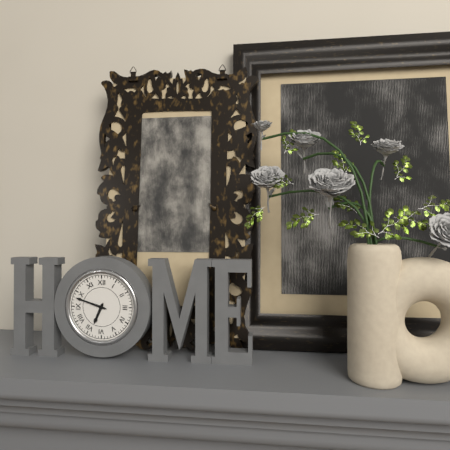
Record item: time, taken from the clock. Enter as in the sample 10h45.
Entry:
6h48
